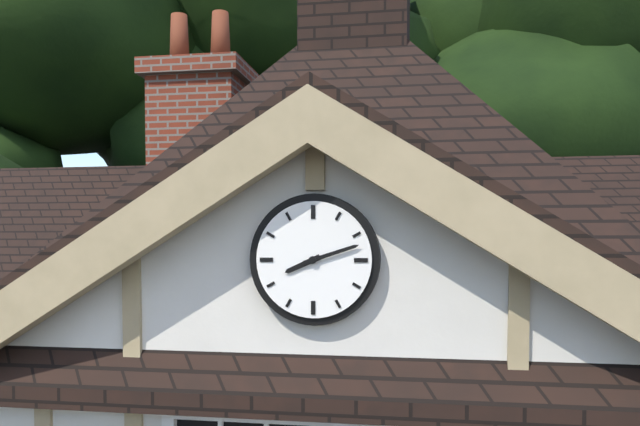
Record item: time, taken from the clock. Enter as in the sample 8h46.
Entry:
8h12
